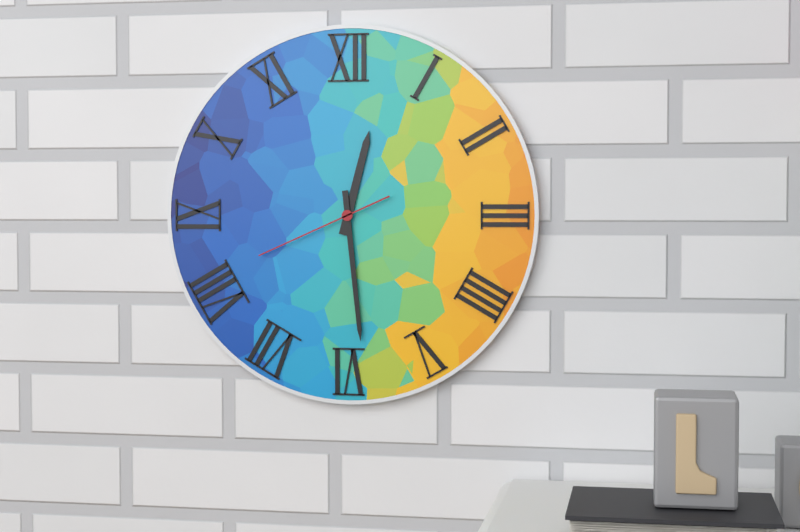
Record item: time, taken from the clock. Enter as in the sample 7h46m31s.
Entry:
12h29m41s
